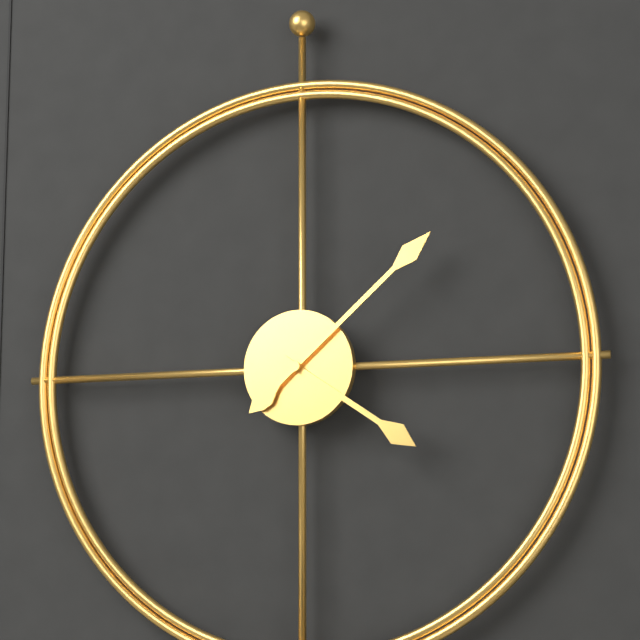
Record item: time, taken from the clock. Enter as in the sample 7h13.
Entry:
4h08
